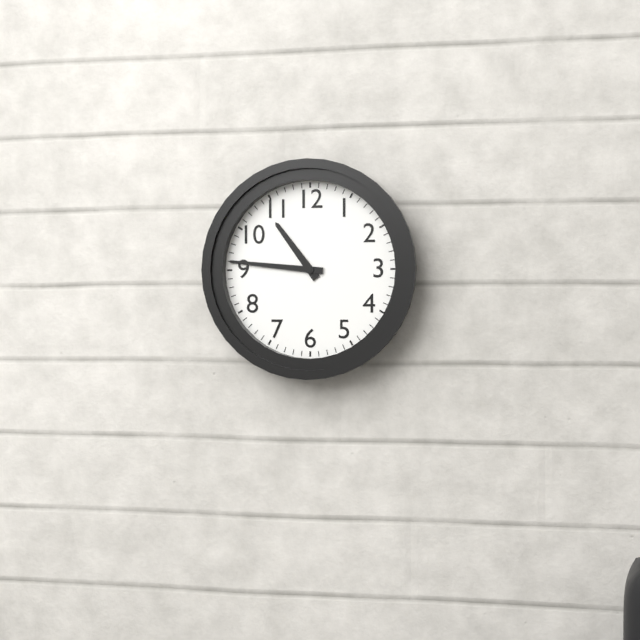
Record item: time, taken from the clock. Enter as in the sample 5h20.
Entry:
10h46
